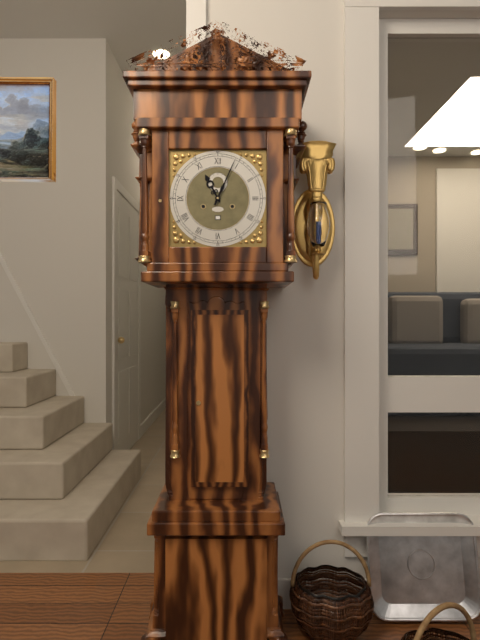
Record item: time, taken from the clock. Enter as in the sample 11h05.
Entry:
11h04
